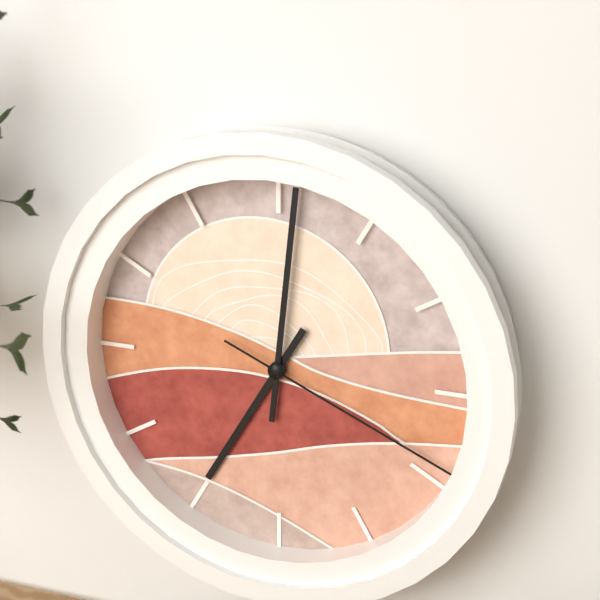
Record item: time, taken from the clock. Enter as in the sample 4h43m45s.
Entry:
7h01m19s
